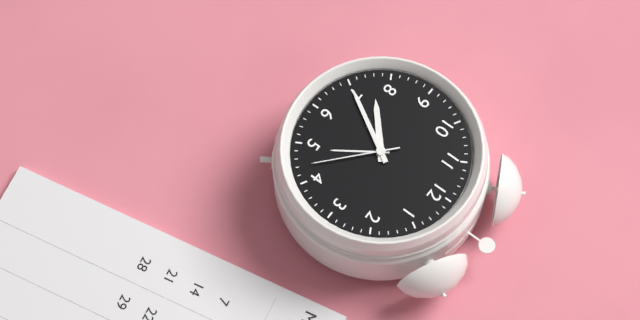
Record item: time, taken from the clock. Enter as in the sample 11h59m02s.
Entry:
7h35m22s
